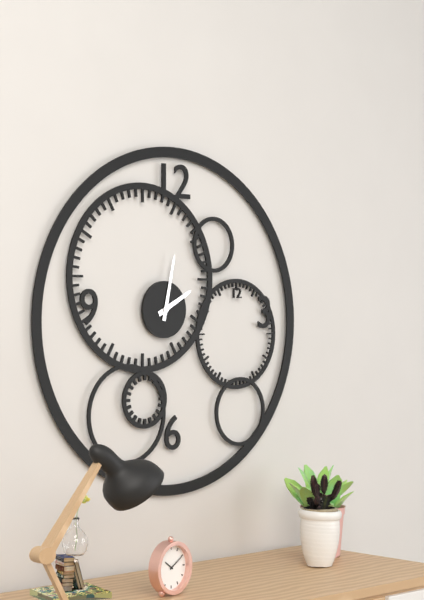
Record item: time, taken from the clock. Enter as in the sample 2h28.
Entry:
2h02
